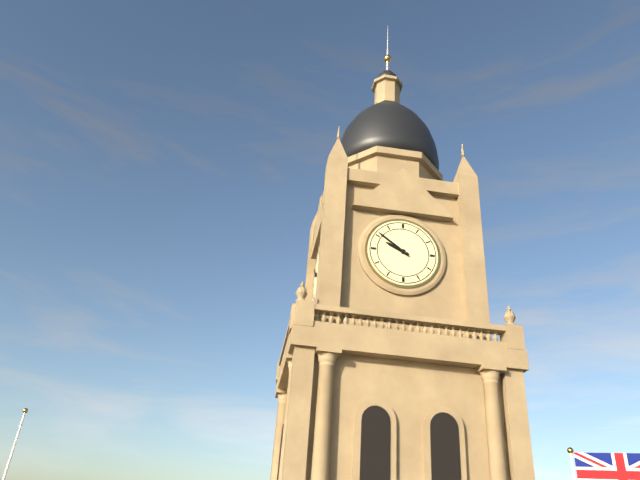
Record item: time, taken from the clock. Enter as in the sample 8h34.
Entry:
9h51
